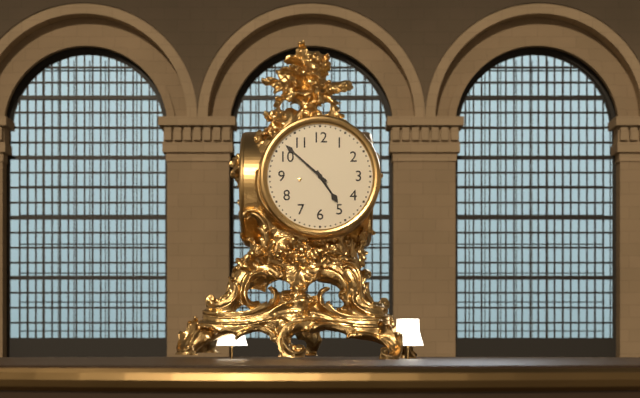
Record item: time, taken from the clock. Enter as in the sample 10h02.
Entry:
4h52
